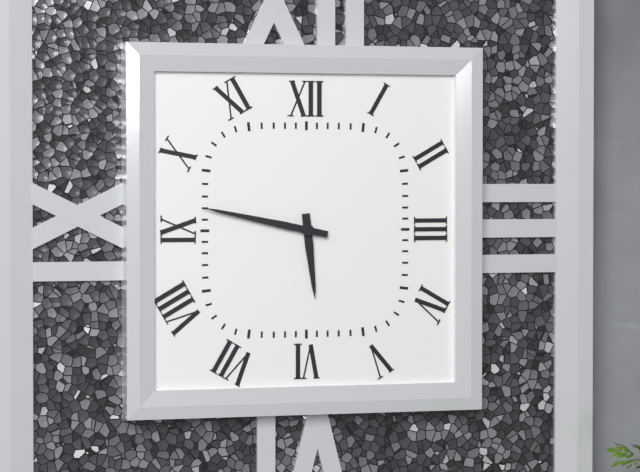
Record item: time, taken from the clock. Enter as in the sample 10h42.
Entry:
5h47
